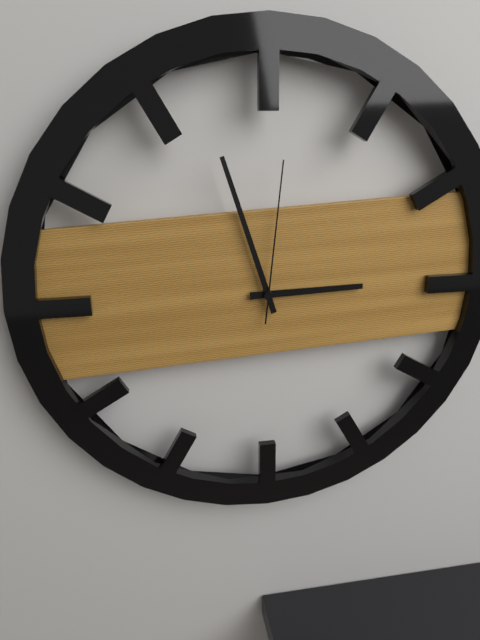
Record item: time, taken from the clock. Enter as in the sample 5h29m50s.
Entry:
2h57m01s
